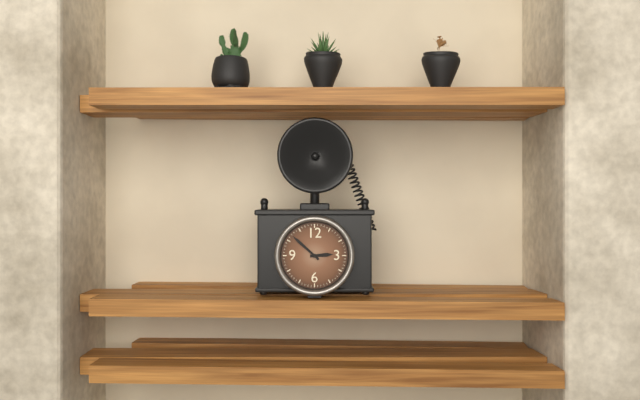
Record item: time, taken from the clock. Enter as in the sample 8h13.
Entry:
2h52
